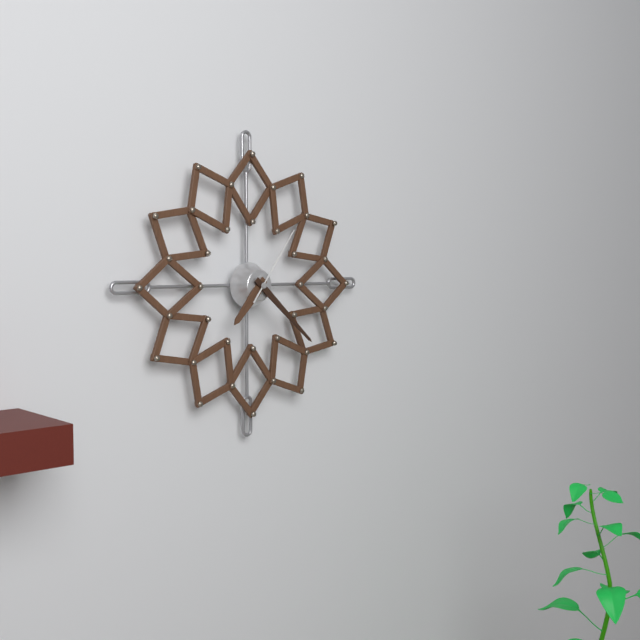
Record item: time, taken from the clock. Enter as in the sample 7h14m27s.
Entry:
7h22m06s
